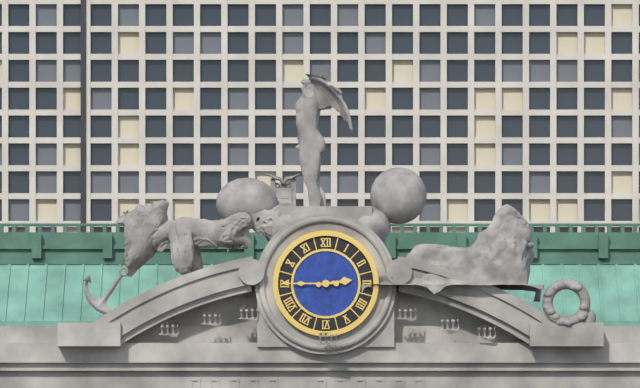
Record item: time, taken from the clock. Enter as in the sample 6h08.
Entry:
2h45
